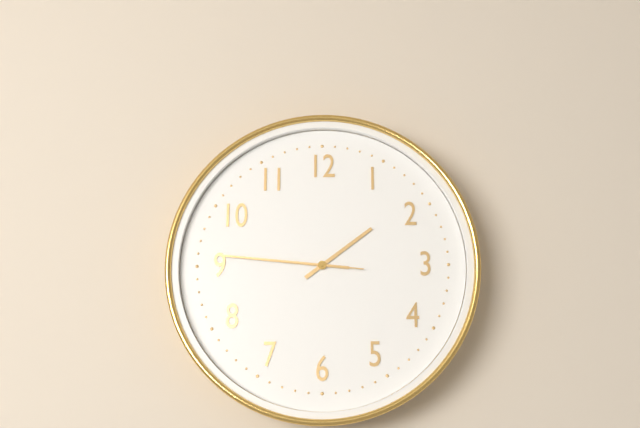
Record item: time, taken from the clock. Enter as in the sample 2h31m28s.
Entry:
1h46m46s
